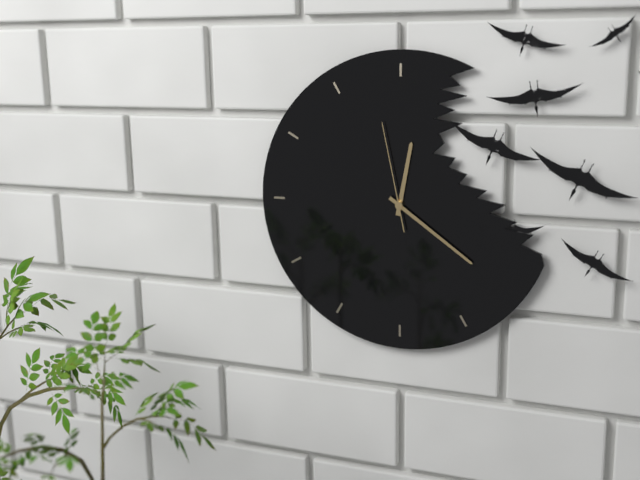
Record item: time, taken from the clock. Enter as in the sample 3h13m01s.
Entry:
12h21m58s
